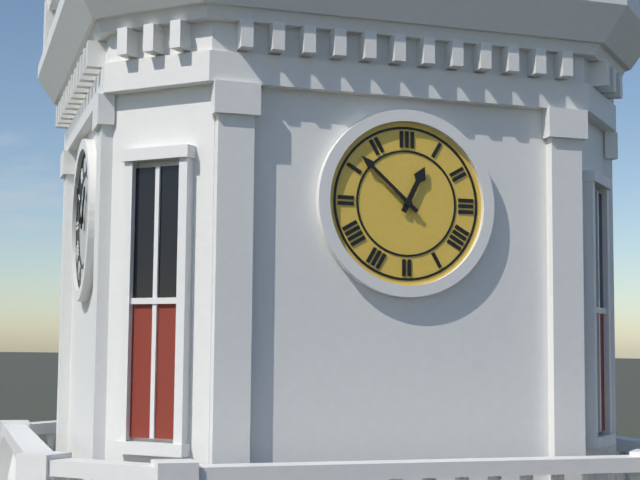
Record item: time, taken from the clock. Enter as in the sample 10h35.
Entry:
12h52
